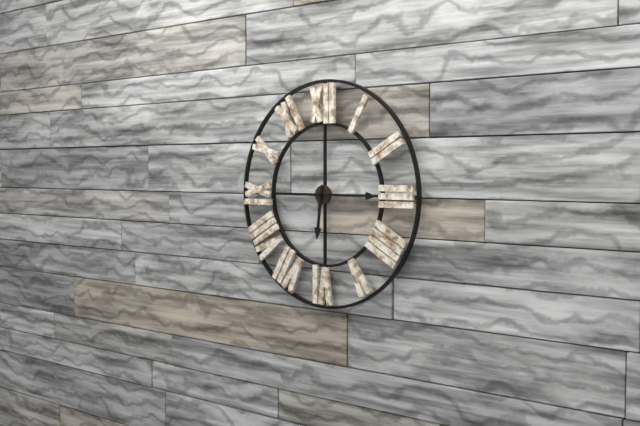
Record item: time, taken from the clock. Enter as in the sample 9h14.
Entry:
6h15
